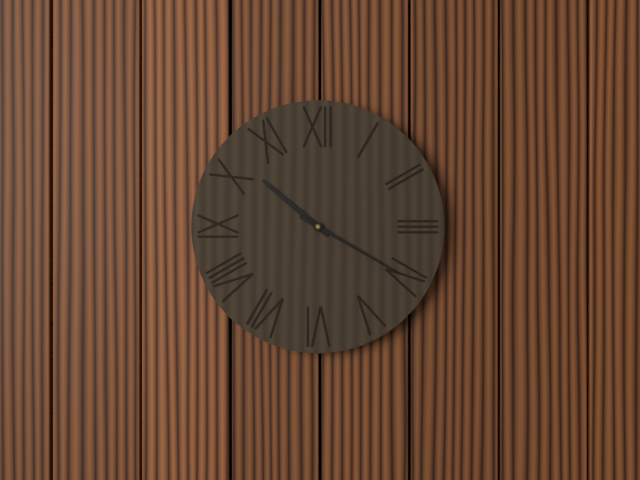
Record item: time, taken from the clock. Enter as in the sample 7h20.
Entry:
10h20
